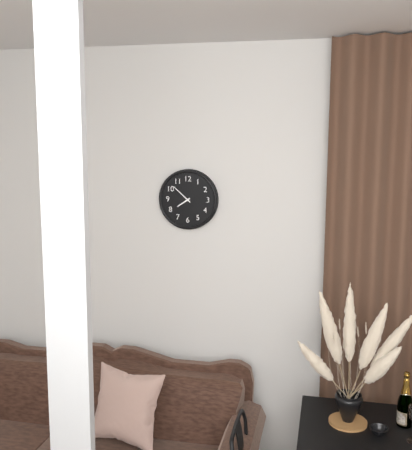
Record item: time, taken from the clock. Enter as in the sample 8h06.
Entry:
7h52
